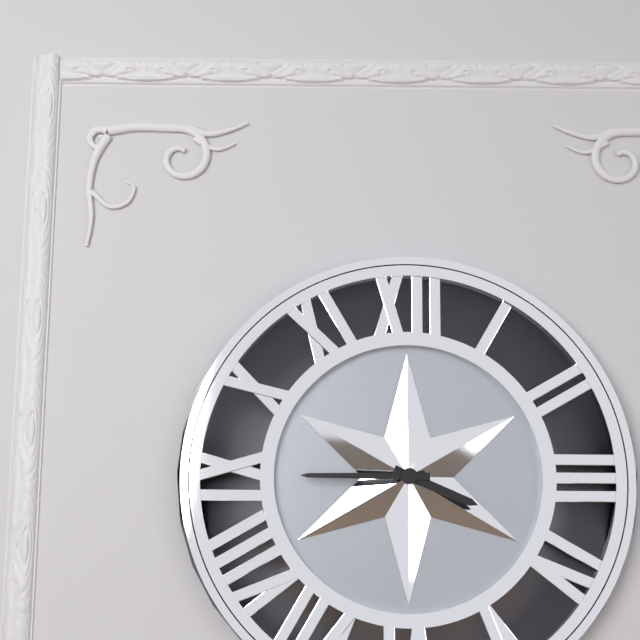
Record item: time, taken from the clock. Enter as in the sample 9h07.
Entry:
3h45
